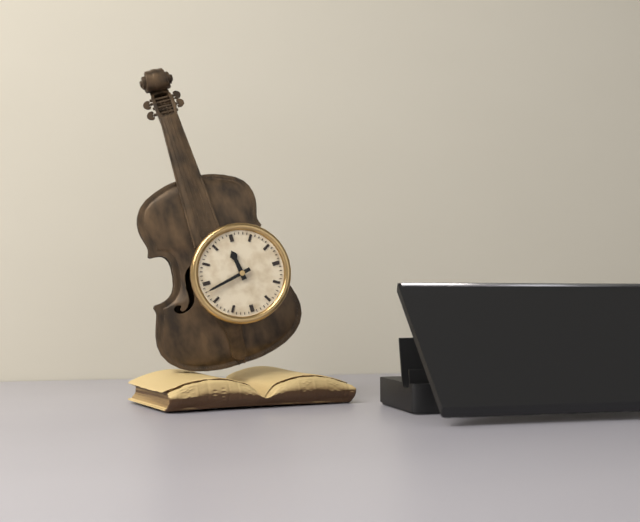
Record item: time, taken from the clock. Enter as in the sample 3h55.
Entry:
11h43
